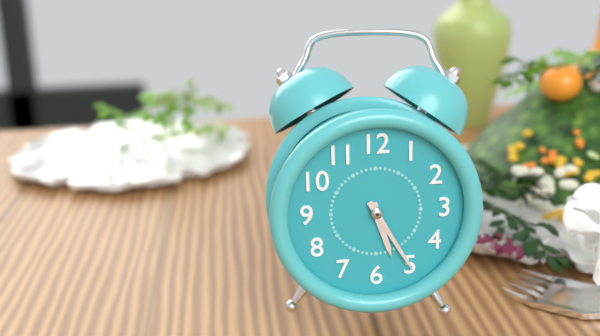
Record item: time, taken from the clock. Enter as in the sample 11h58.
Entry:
5h25
